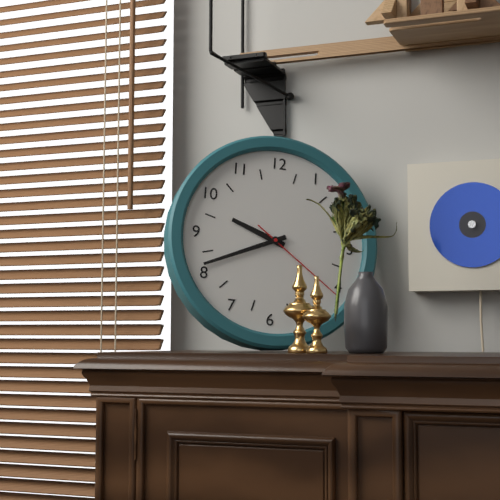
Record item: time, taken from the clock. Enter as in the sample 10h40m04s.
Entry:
9h41m21s
